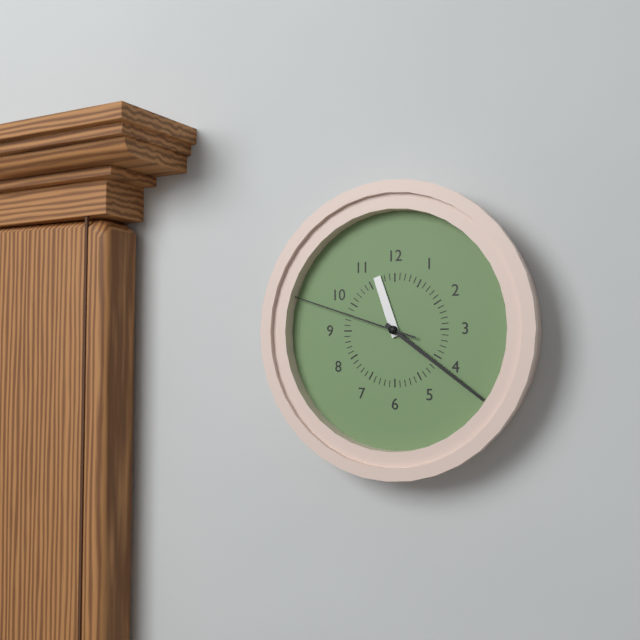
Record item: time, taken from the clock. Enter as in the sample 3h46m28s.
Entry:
11h21m48s
